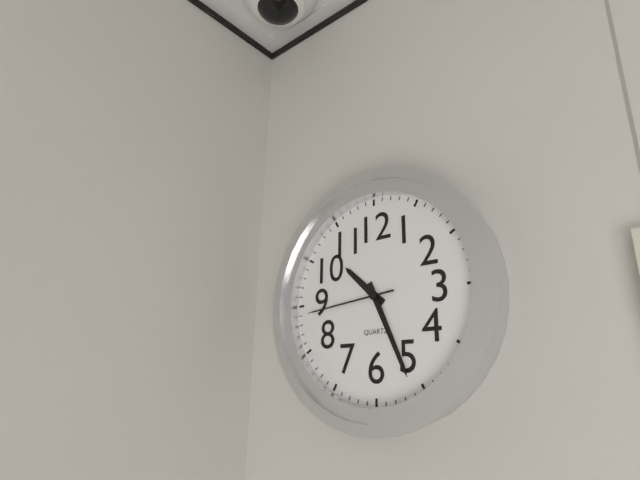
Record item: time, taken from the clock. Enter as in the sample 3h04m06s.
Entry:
10h26m44s
